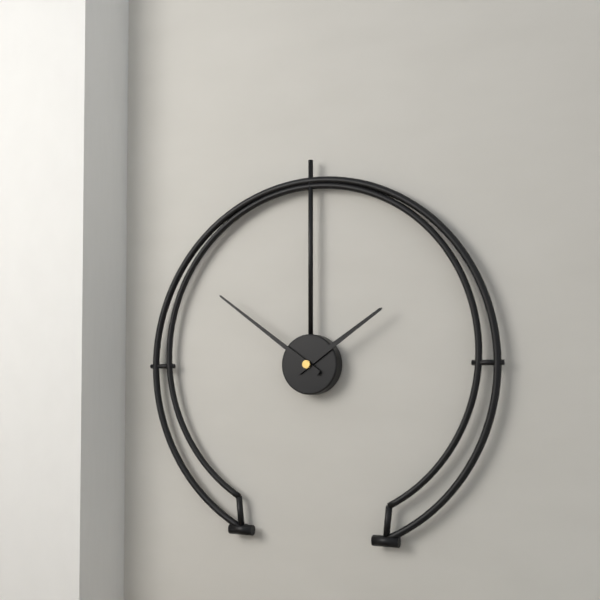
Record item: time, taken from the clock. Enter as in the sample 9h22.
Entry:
1h51
